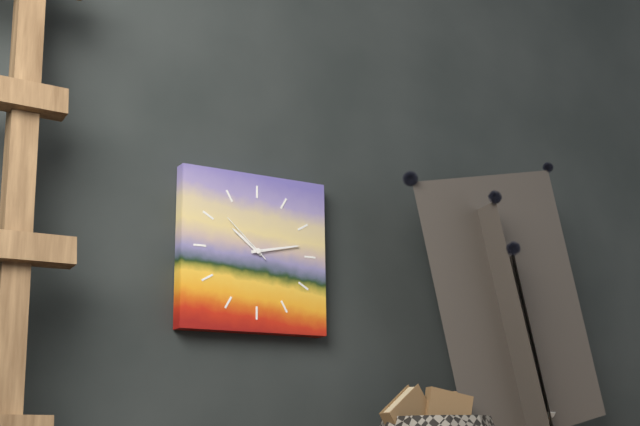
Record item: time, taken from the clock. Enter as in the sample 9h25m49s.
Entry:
10h13m52s
